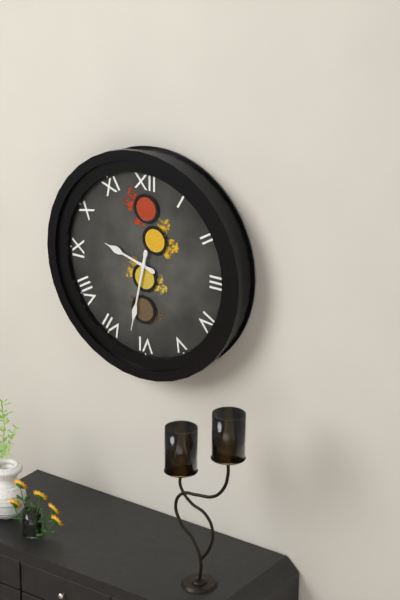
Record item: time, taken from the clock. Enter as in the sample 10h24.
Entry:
9h32
